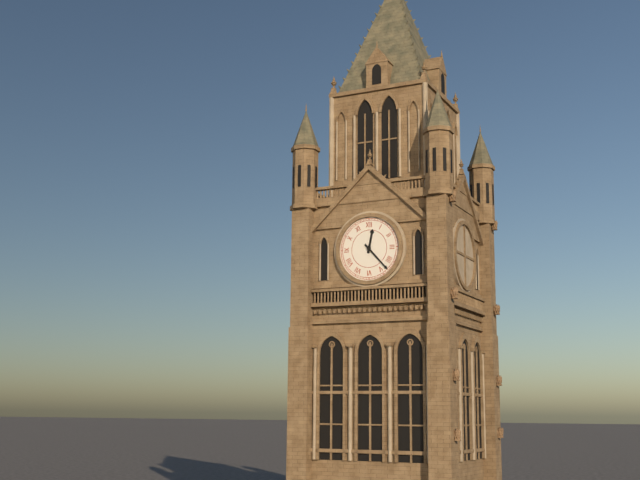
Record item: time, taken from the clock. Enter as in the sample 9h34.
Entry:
12h23
